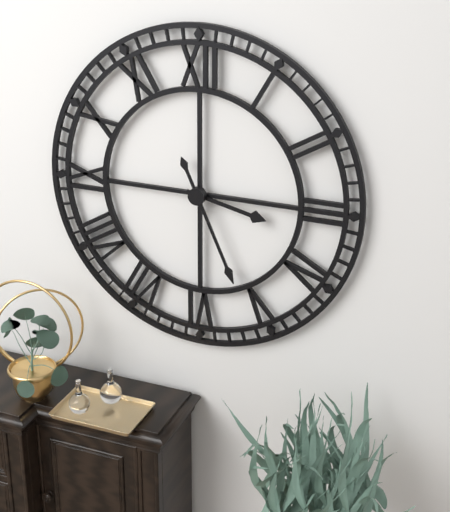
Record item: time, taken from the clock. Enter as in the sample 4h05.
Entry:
3h26
